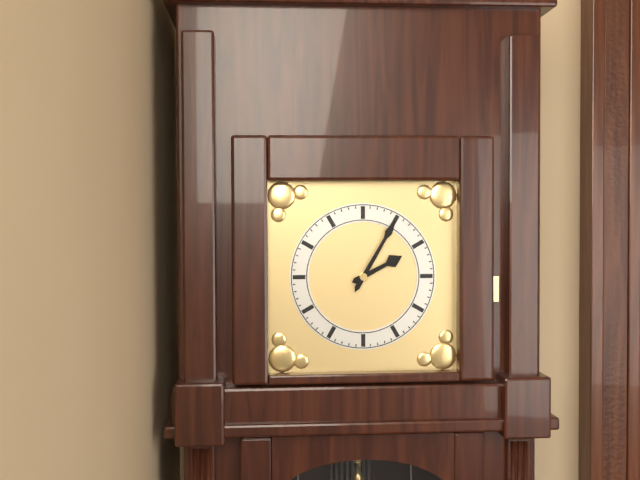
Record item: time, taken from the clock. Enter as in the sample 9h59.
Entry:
2h05
